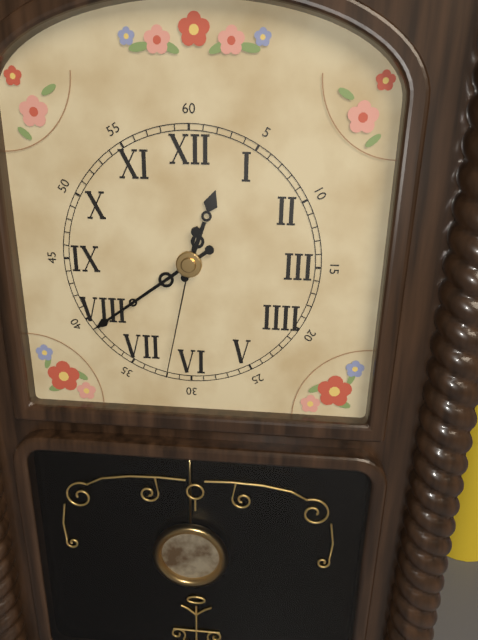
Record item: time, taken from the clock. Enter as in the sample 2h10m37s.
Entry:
12h39m32s
